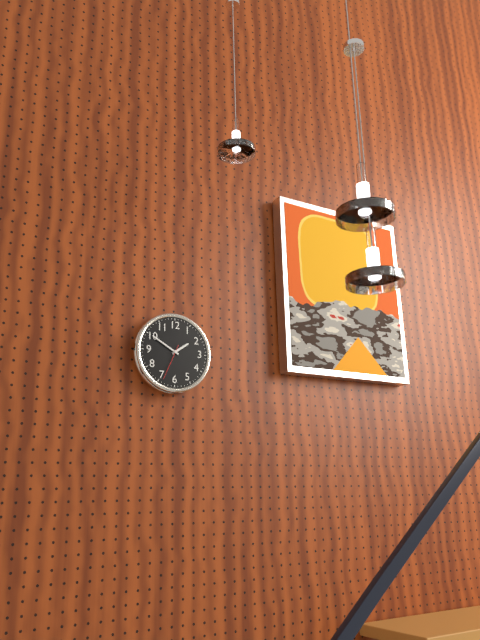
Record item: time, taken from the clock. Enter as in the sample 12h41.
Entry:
1h50
